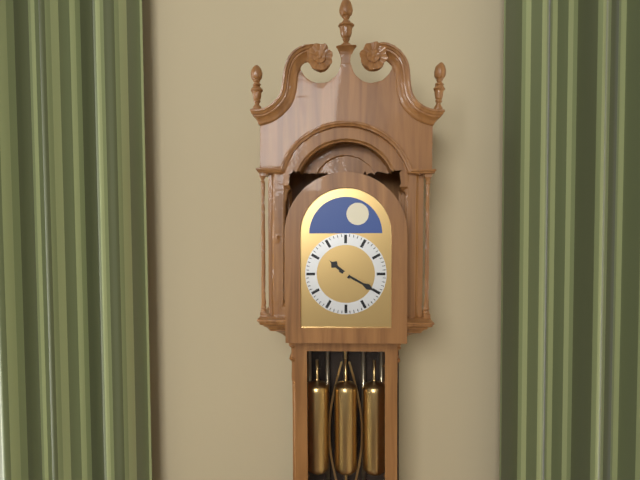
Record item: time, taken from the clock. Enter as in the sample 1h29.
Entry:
10h20
